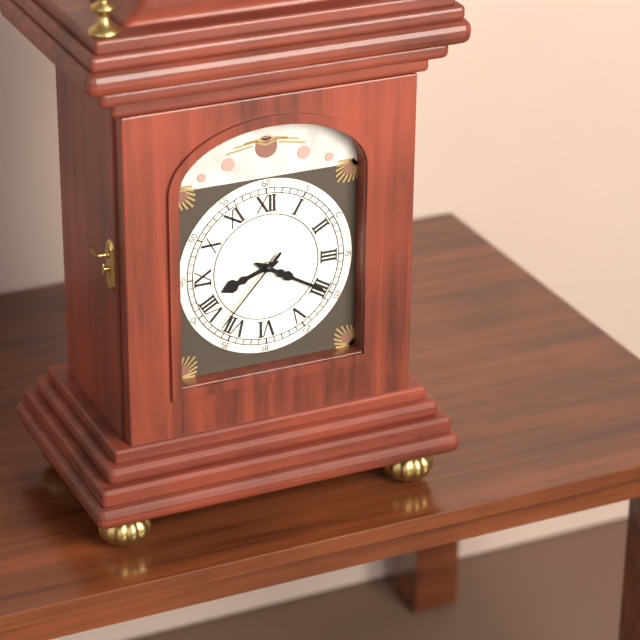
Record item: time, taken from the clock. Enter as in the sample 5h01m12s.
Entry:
8h20m37s
